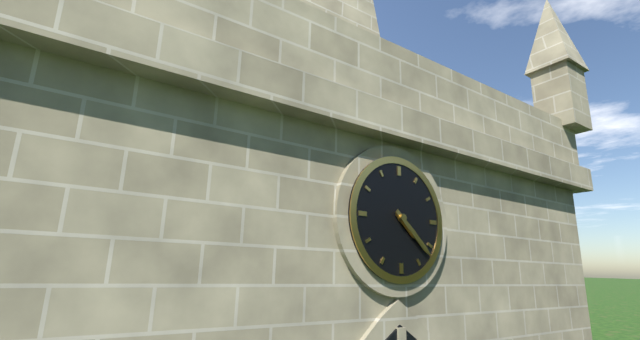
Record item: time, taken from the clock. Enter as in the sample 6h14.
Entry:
4h22
